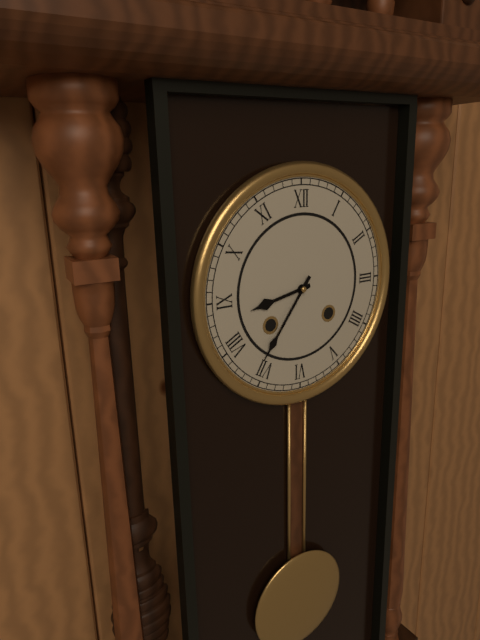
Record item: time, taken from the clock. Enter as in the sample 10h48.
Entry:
8h36
